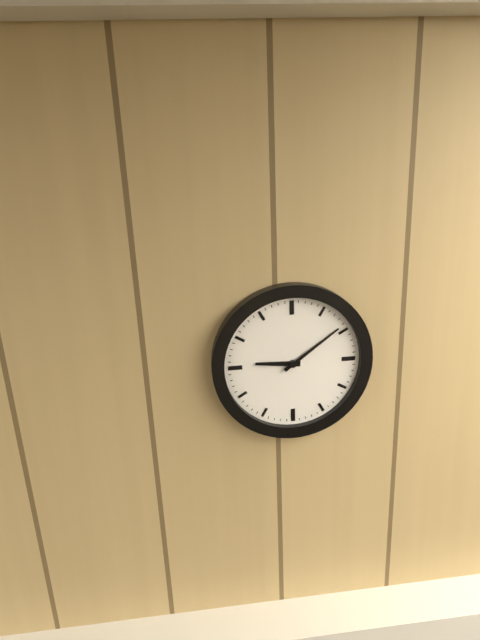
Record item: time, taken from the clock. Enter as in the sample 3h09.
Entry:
9h09
